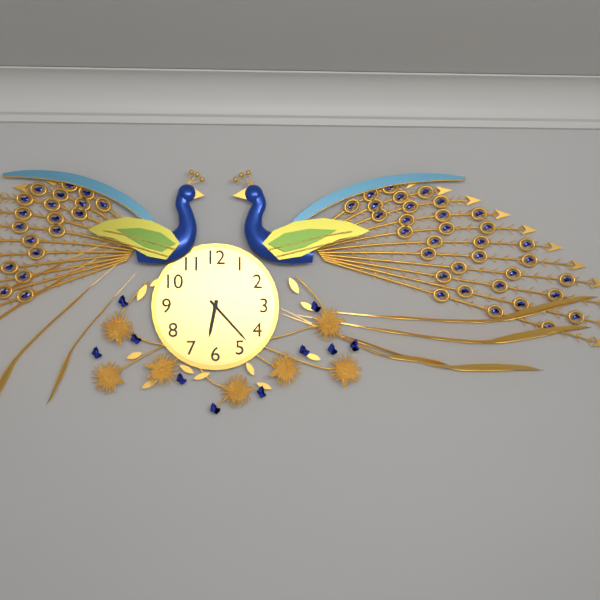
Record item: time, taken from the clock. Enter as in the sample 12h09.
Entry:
6h23
